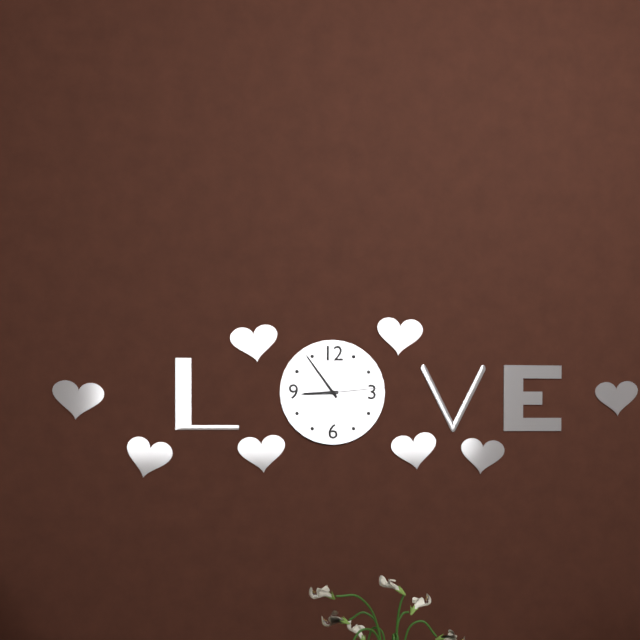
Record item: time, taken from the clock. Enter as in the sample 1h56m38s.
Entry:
8h54m14s
